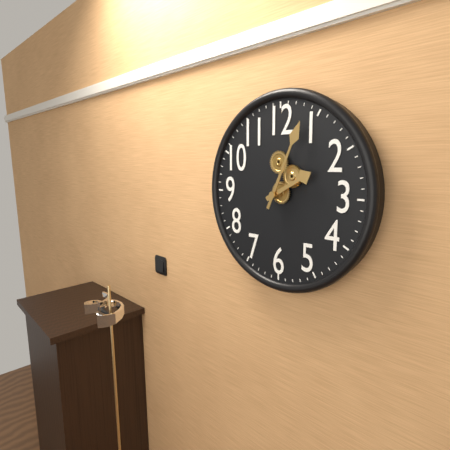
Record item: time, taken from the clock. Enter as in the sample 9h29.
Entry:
2h04
